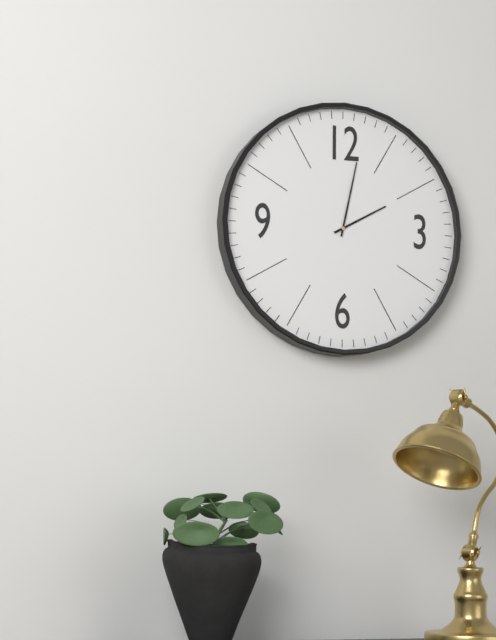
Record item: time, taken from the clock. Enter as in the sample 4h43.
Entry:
2h02
